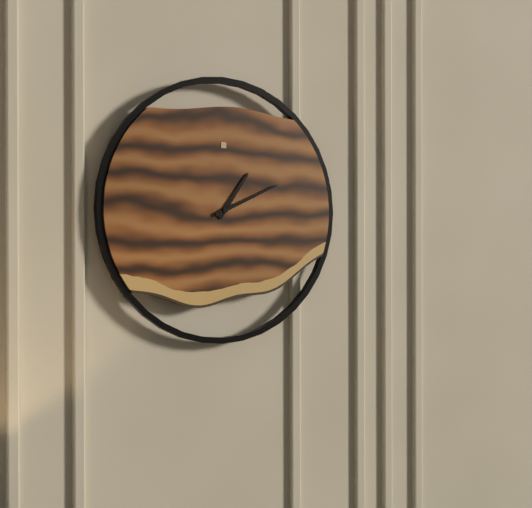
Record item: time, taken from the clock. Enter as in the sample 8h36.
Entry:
1h11
